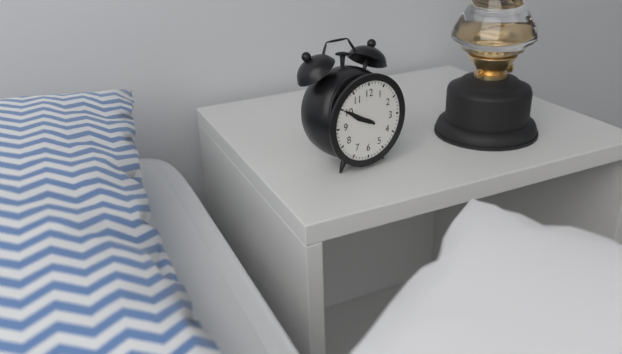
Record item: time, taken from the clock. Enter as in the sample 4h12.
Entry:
9h50
